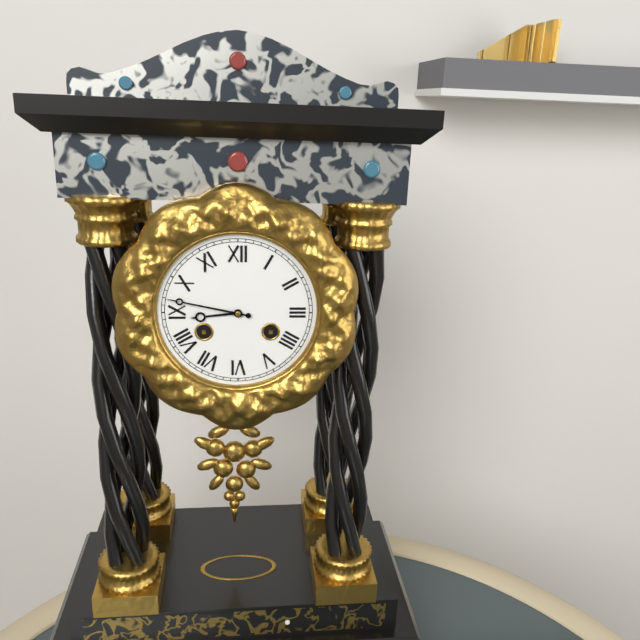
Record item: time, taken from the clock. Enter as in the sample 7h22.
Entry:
8h47
